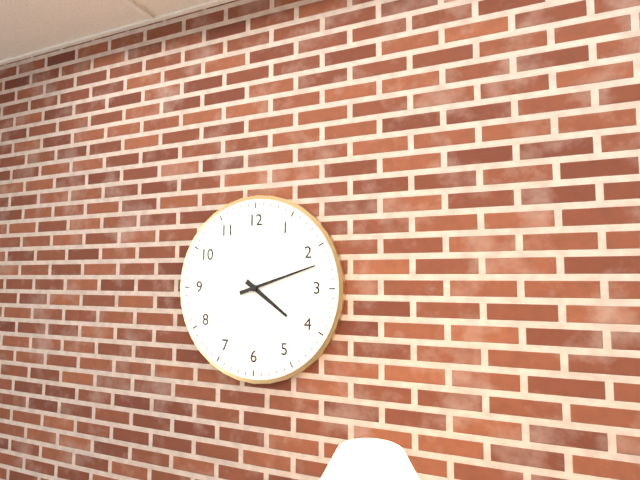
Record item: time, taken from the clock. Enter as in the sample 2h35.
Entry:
4h12
